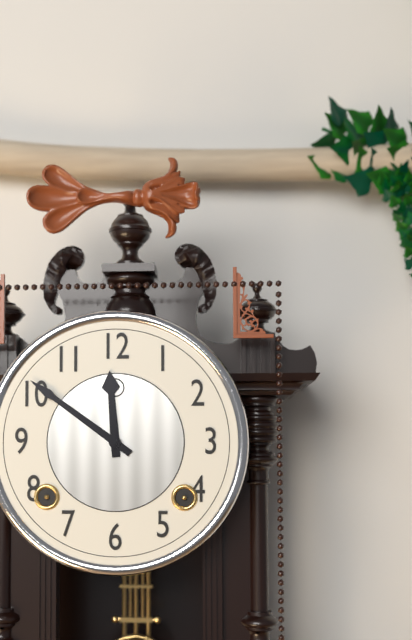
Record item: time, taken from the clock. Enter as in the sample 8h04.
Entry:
11h51
